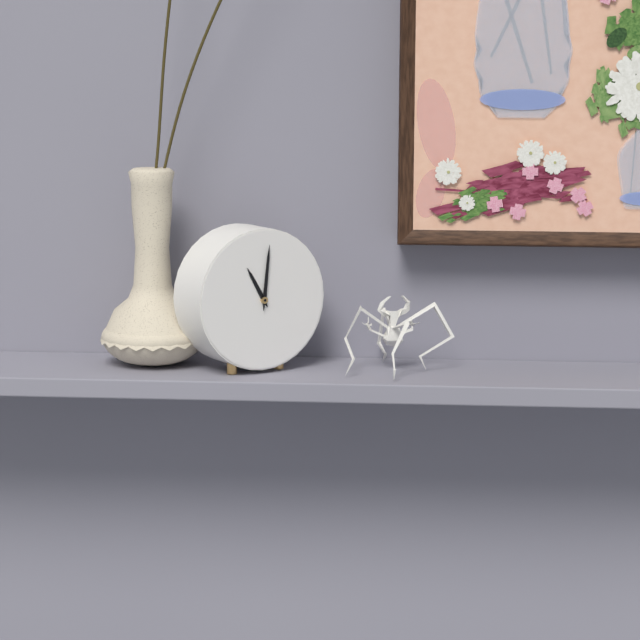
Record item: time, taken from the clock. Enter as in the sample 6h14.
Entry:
11h01
